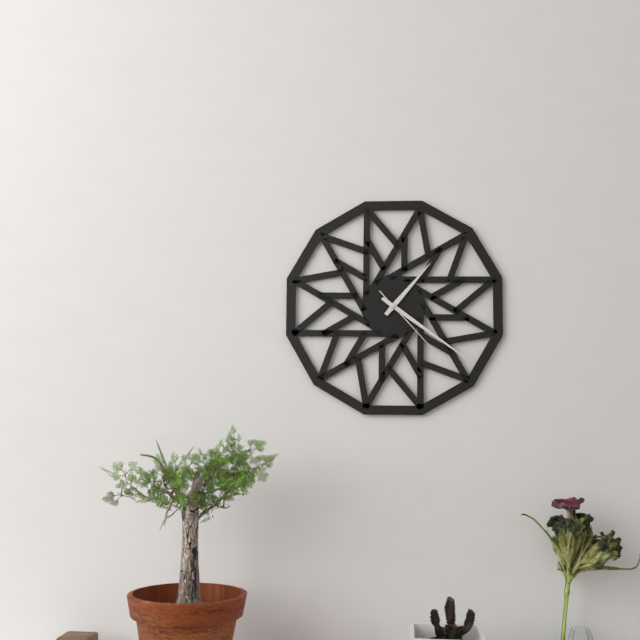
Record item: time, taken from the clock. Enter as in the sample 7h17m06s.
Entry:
1h21m23s
